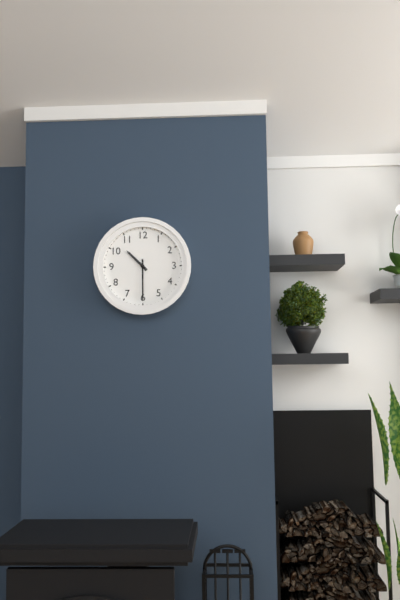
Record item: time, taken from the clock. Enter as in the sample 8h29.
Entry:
10h30
